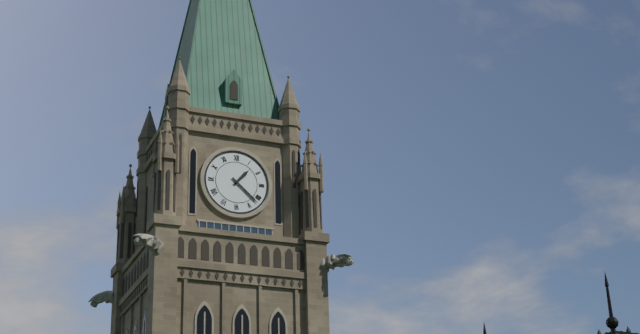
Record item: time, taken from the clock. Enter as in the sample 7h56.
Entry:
1h22
